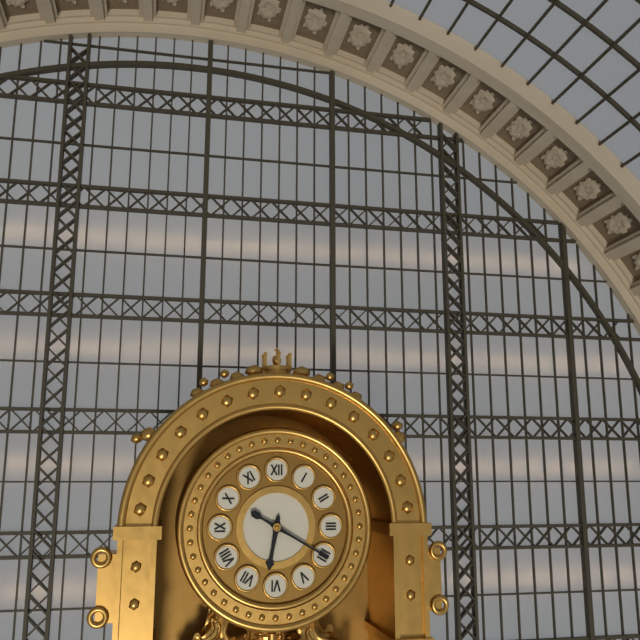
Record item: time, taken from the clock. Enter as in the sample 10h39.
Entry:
6h20
